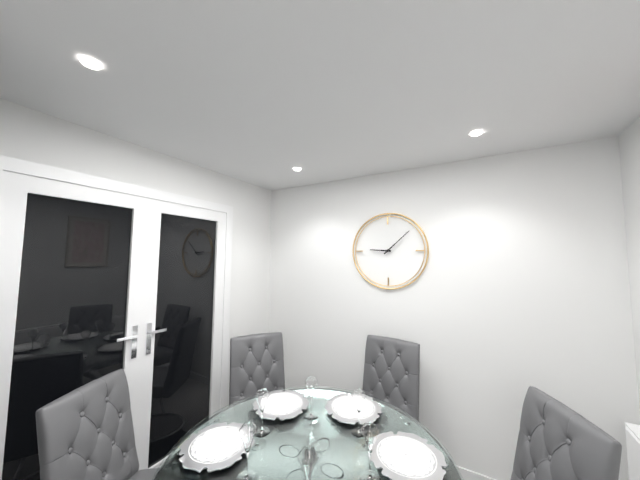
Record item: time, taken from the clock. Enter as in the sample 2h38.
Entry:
9h08
